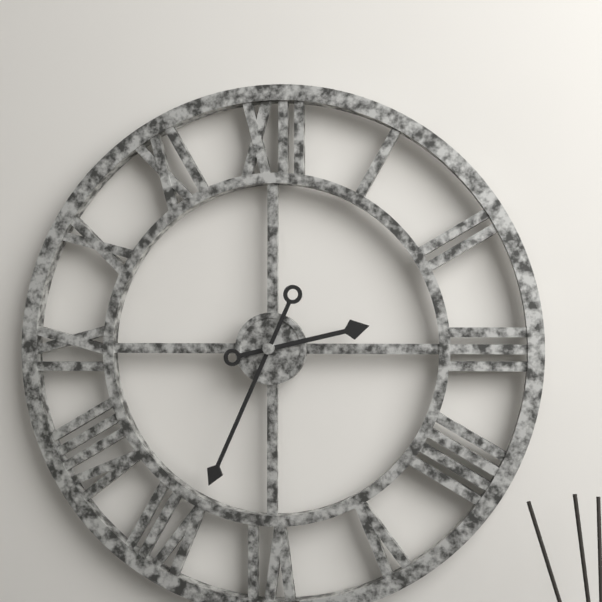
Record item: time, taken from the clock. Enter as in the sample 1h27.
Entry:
2h34
